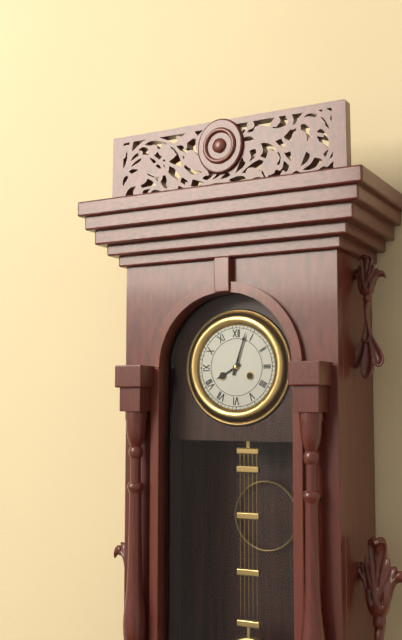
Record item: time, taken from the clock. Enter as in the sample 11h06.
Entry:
8h03
